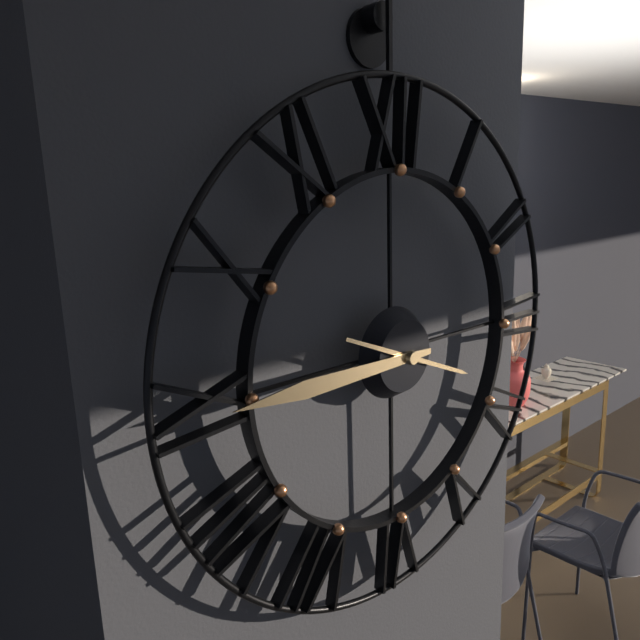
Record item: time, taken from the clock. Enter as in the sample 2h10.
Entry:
3h45
